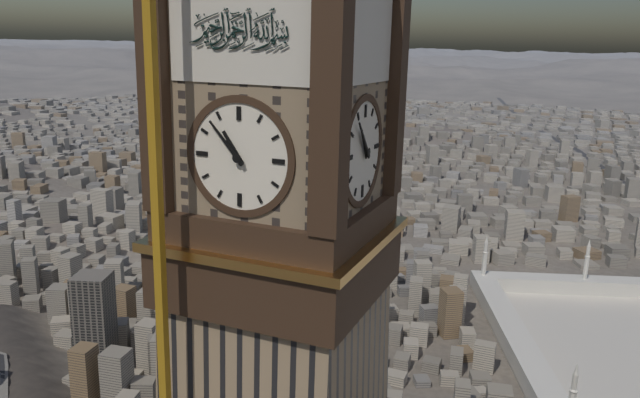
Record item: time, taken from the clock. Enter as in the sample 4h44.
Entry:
10h53
